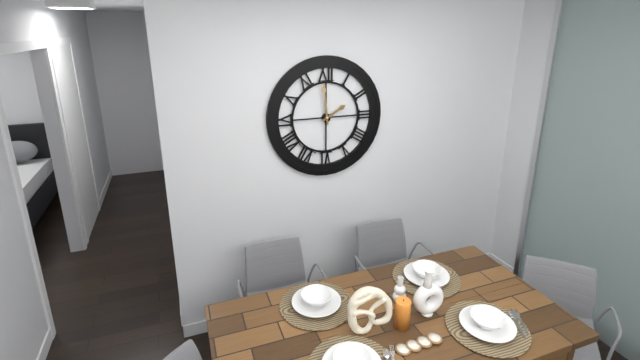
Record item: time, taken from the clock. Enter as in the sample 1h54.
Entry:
1h59
